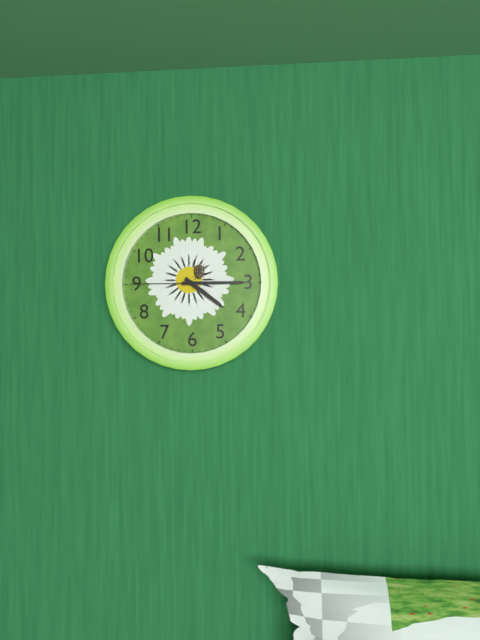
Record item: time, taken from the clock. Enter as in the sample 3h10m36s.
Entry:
4h15m45s
